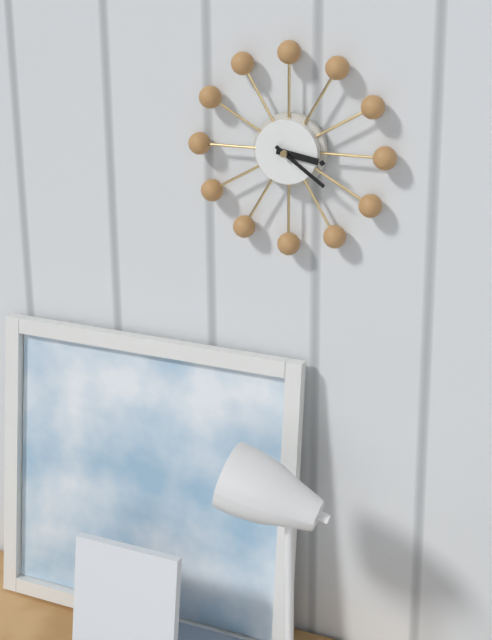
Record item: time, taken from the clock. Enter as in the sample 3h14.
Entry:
3h21
